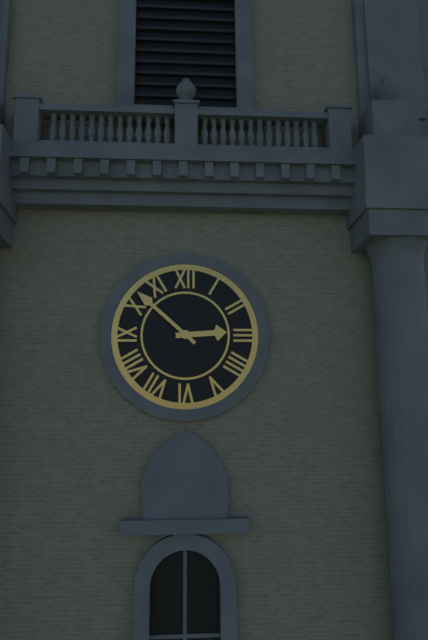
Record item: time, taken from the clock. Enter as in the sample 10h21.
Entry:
2h52
